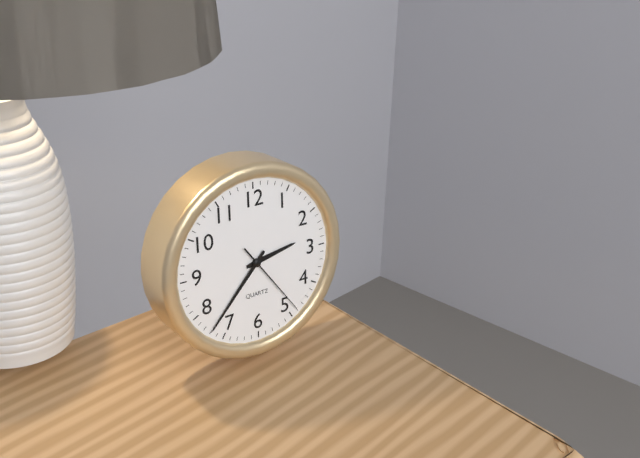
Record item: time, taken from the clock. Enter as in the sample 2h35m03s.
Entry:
2h37m24s
